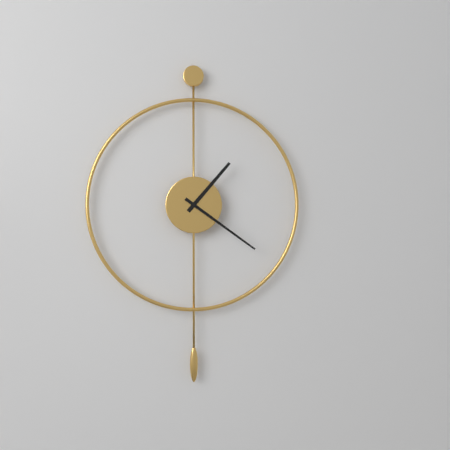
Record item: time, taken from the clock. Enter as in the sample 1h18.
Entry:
1h21
